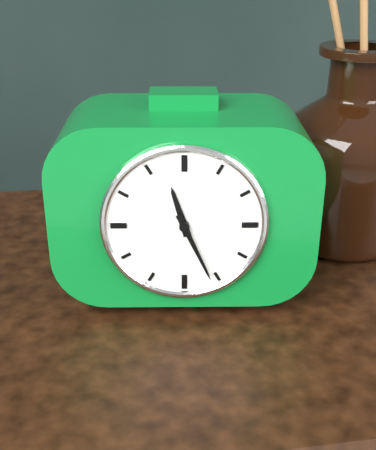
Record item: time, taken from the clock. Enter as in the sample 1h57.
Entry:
11h26
